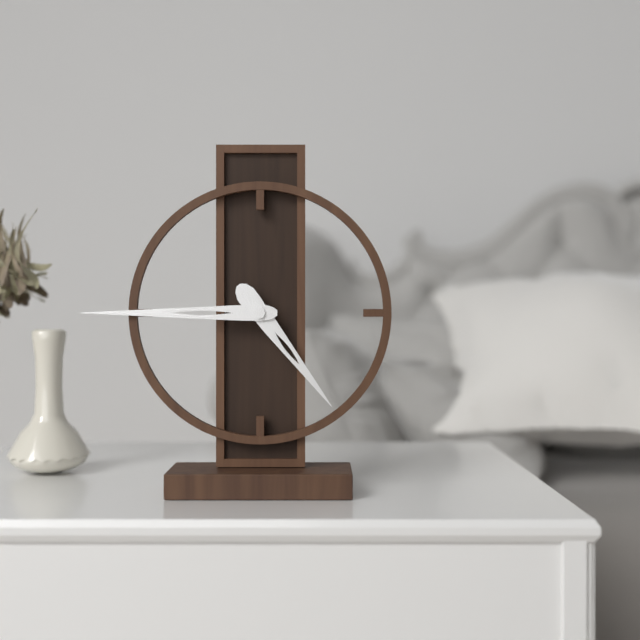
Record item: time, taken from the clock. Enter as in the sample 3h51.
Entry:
4h45
